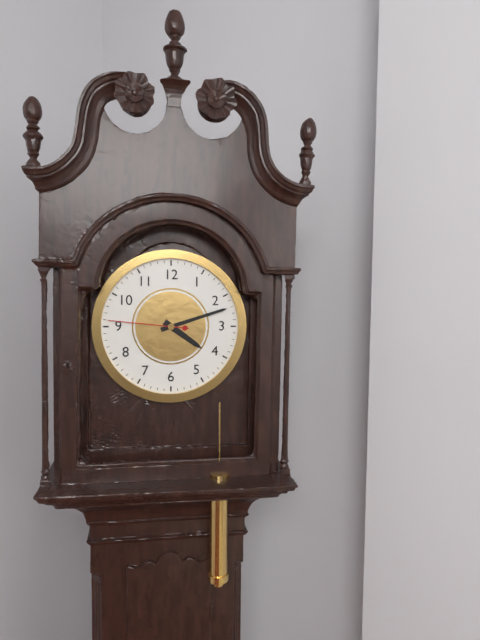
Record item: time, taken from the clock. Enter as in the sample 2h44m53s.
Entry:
4h12m46s
